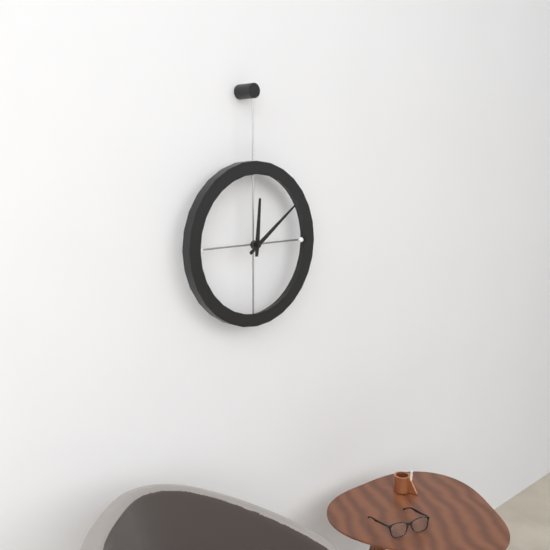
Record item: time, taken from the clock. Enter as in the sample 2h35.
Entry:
12h09
